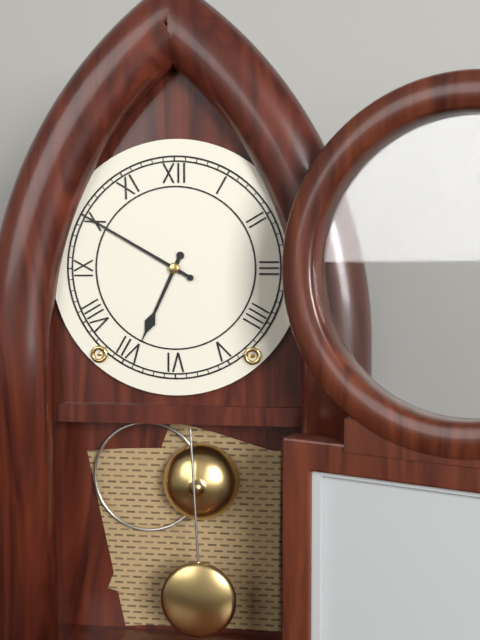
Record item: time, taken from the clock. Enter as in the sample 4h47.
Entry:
6h50
